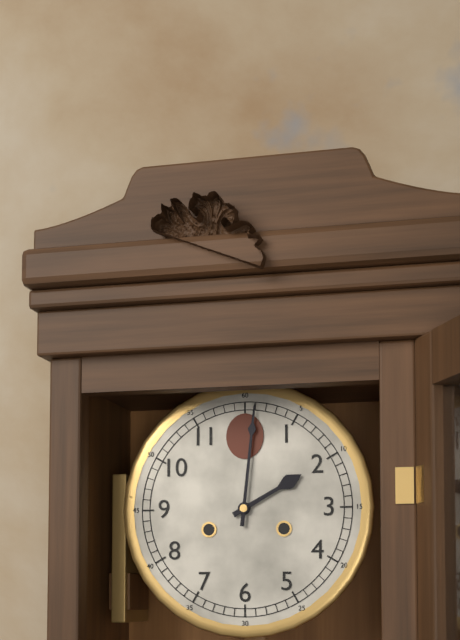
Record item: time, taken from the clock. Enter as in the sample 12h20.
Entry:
2h01
